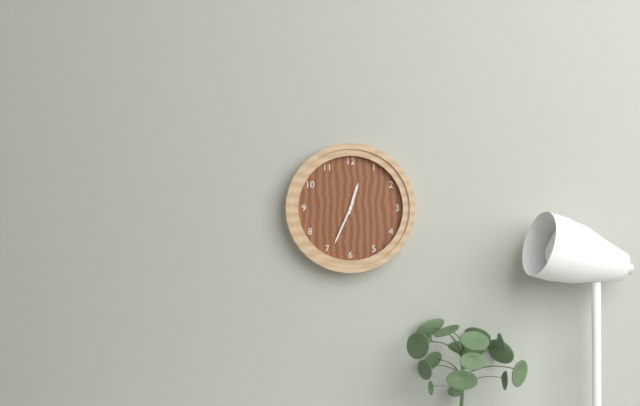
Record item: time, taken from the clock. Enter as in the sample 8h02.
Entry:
12h34
